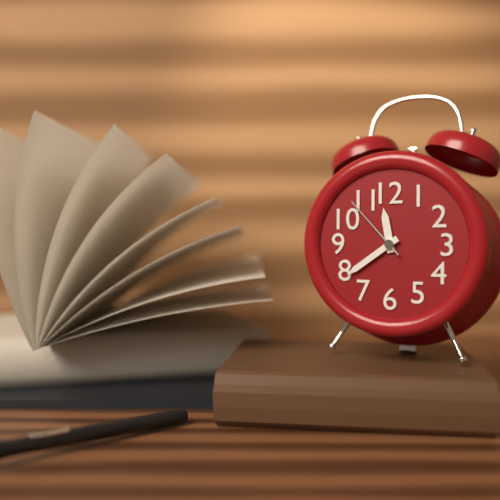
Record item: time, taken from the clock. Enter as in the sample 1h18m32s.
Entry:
11h39m53s
